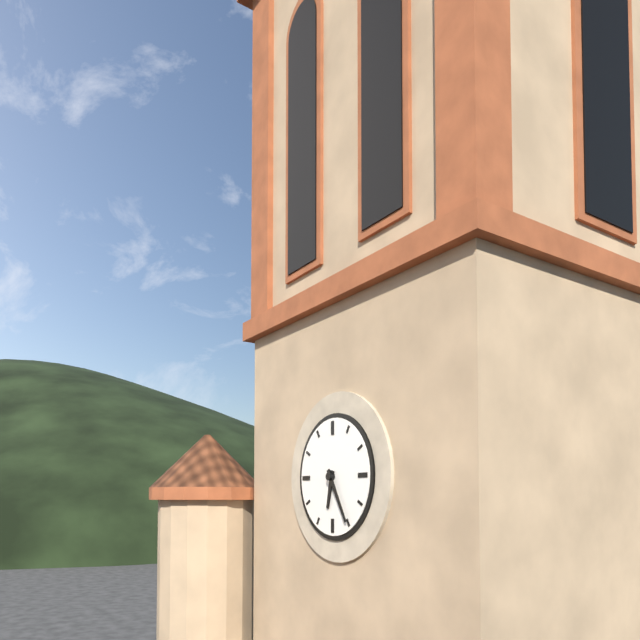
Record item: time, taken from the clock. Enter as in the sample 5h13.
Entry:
6h25
